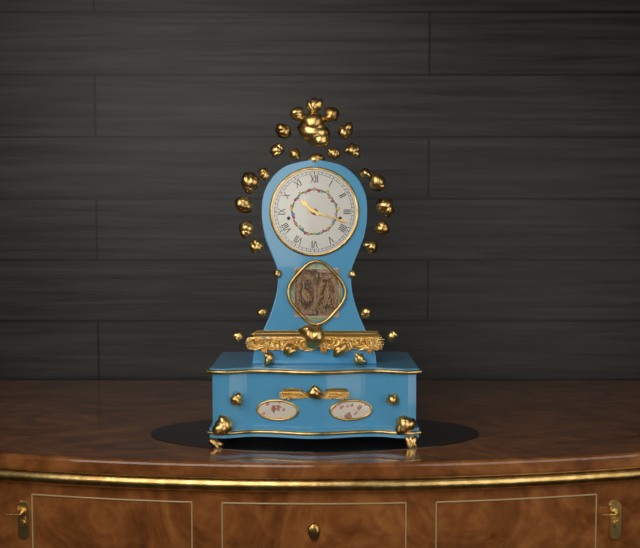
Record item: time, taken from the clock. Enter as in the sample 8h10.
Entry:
10h18
